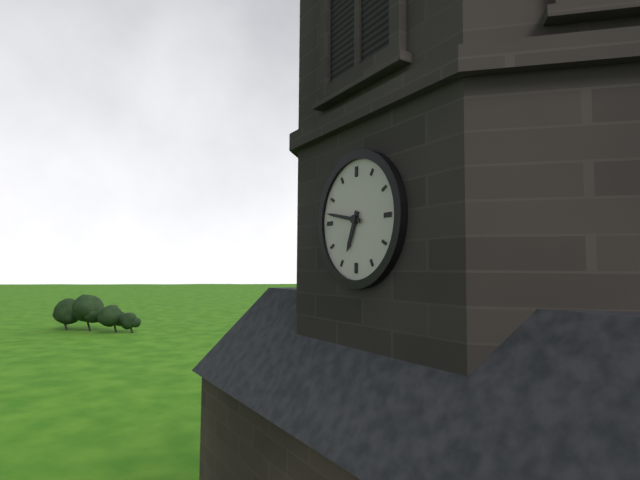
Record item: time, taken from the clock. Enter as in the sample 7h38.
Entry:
6h47
